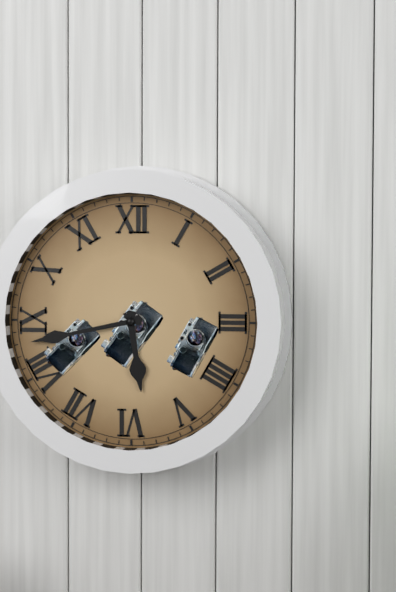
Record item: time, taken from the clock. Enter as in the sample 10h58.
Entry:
5h43
